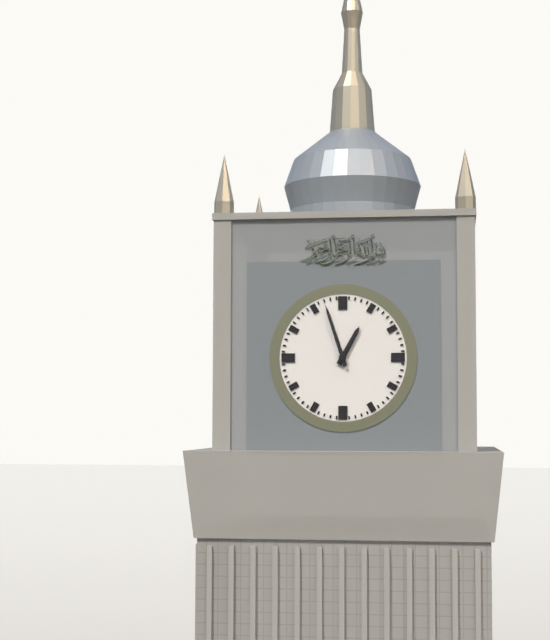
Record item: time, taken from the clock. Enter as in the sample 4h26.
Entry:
12h57
